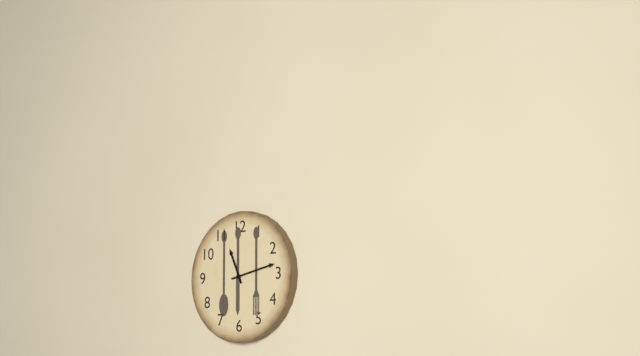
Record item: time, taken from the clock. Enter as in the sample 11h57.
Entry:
11h13
